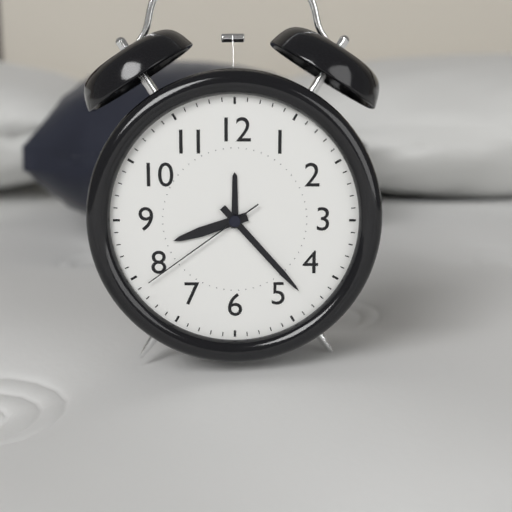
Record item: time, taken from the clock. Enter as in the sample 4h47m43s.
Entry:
8h23m39s
